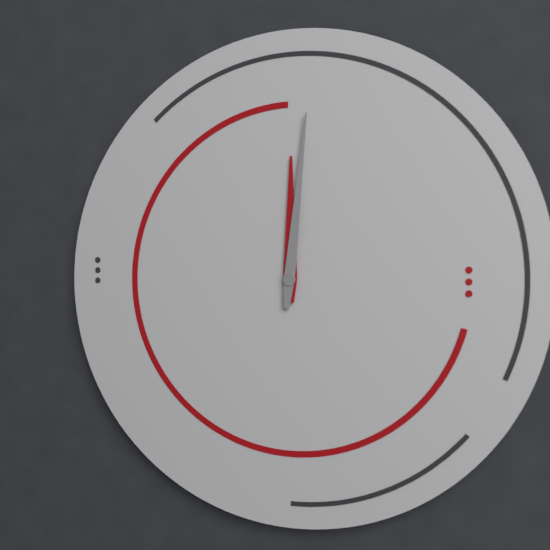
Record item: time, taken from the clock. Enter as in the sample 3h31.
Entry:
12h01
